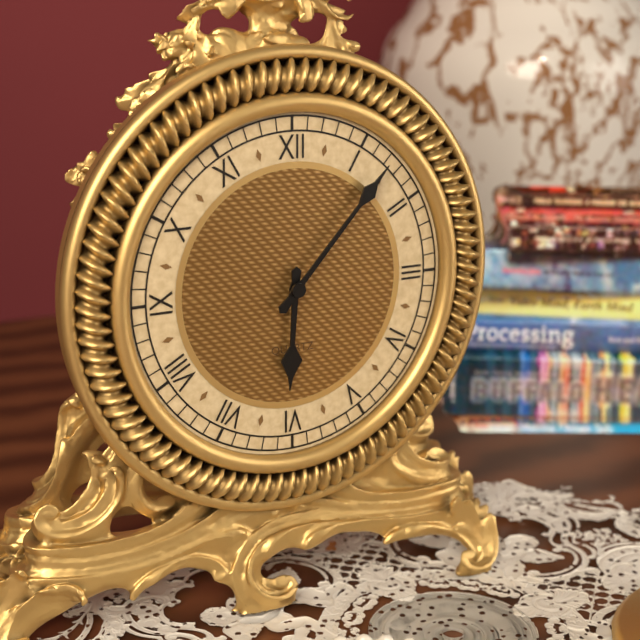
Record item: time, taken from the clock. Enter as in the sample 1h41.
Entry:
6h07
